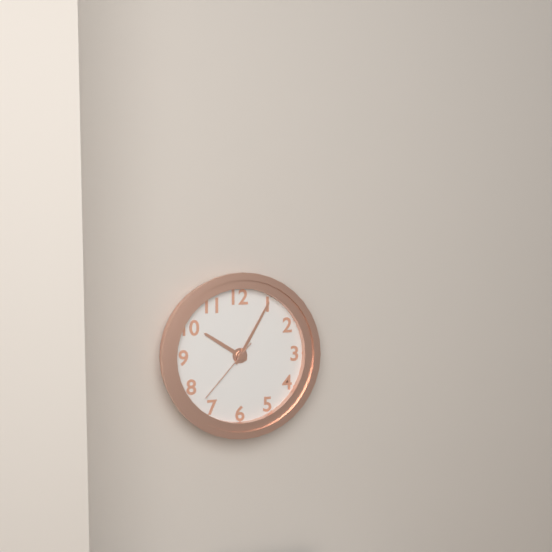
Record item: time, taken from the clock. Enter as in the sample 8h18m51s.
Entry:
10h05m37s
